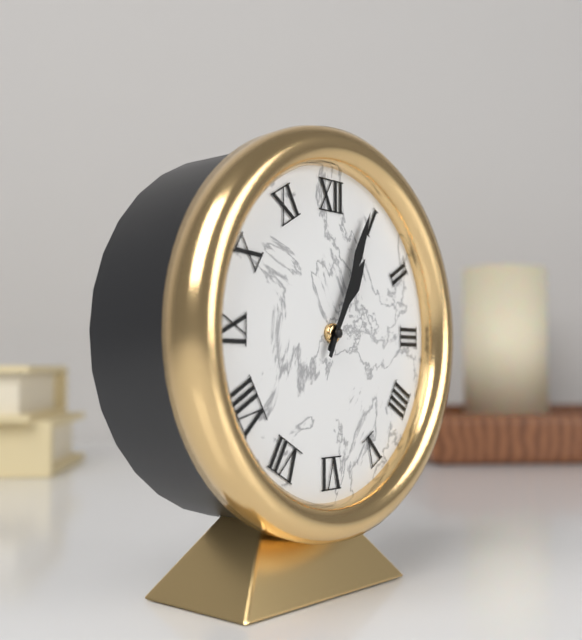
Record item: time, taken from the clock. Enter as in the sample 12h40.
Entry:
1h04
